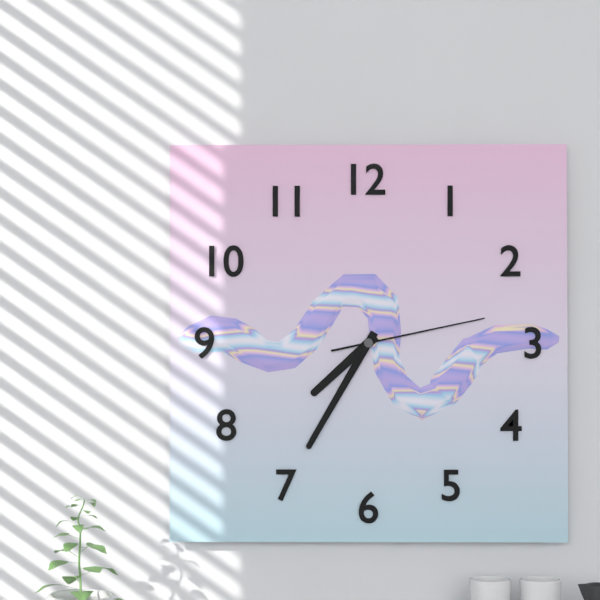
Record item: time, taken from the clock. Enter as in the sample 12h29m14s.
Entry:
7h35m13s
